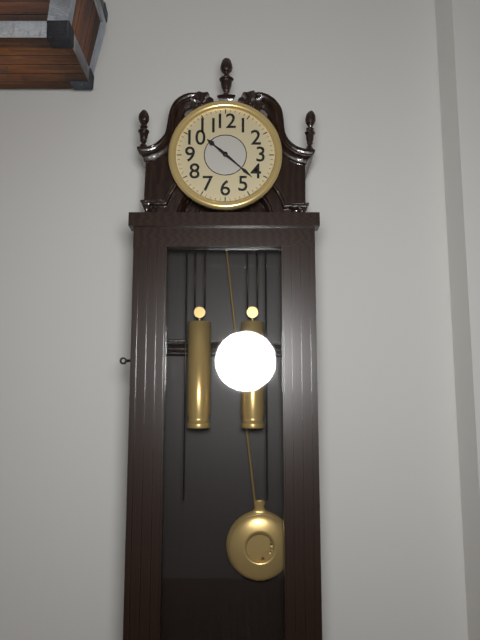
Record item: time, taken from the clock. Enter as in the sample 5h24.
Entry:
10h22
